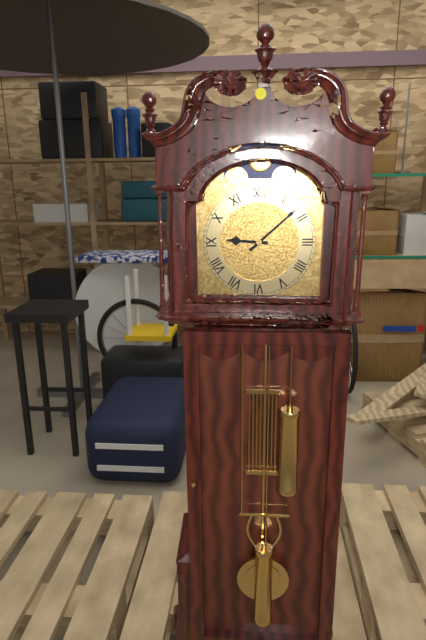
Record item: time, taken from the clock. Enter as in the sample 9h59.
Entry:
9h08
